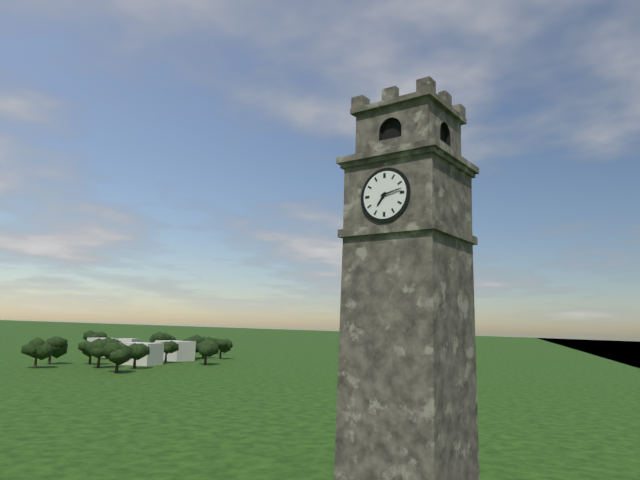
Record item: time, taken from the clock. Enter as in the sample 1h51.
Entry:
7h13
